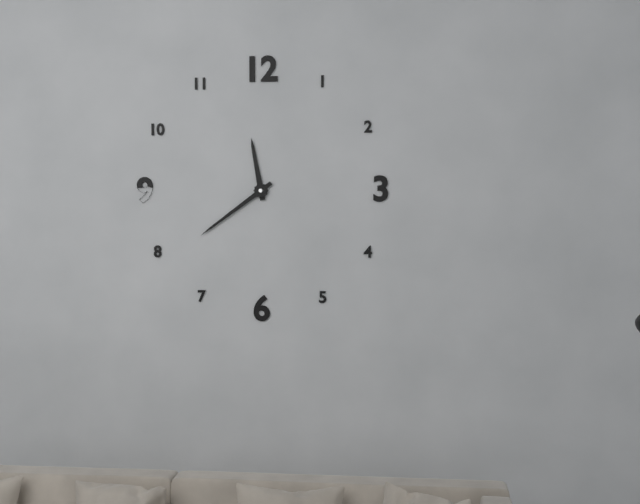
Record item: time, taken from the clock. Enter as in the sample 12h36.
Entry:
11h39
